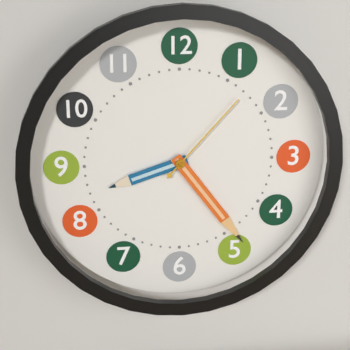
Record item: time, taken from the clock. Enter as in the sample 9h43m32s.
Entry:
8h24m07s
